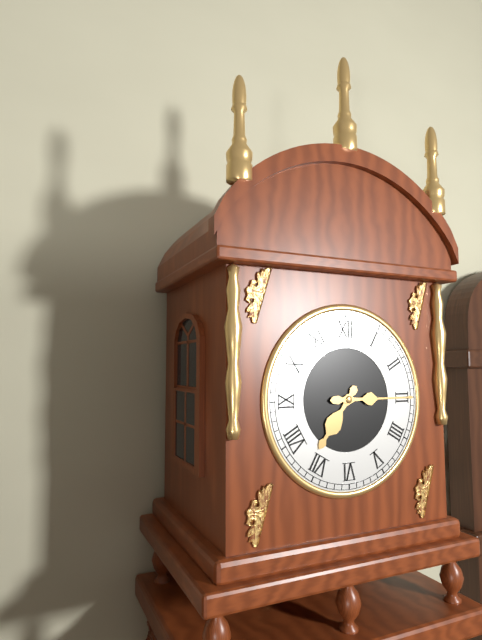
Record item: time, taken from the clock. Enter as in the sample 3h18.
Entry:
7h15
